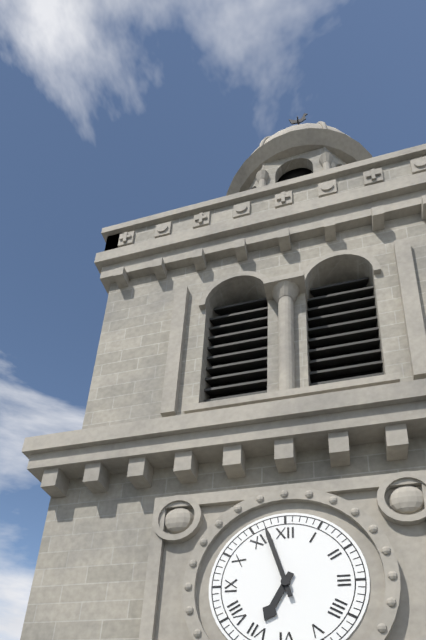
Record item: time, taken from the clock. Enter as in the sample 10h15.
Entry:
6h57
